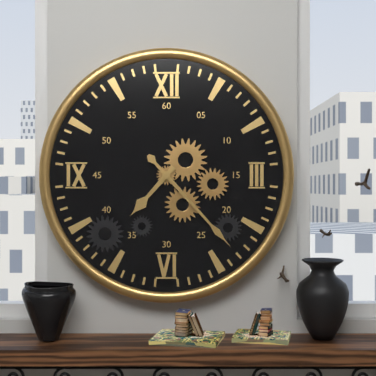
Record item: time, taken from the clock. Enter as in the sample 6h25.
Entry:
7h23
